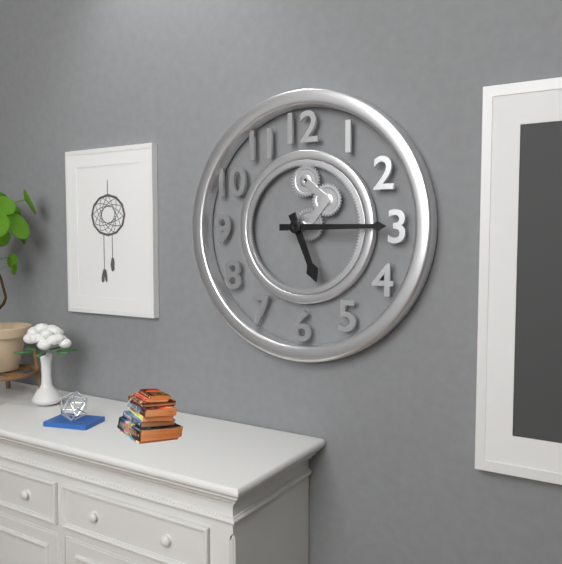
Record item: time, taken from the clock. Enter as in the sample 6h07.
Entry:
5h15
